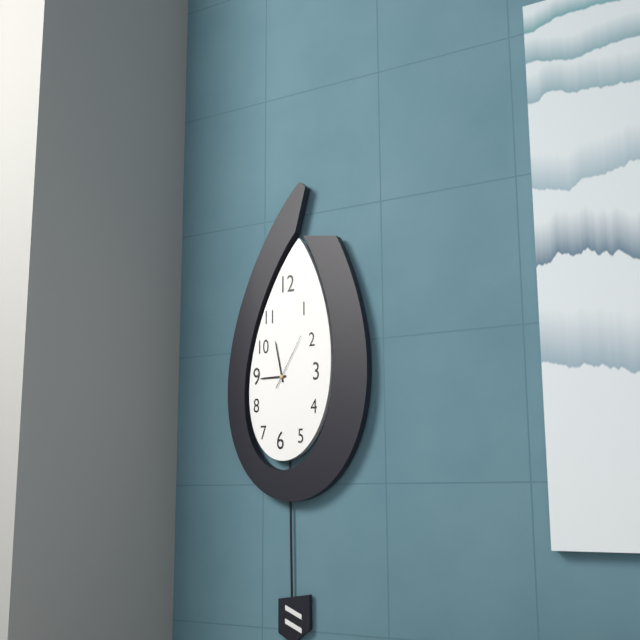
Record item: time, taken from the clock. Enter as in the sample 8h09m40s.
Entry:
8h58m05s
